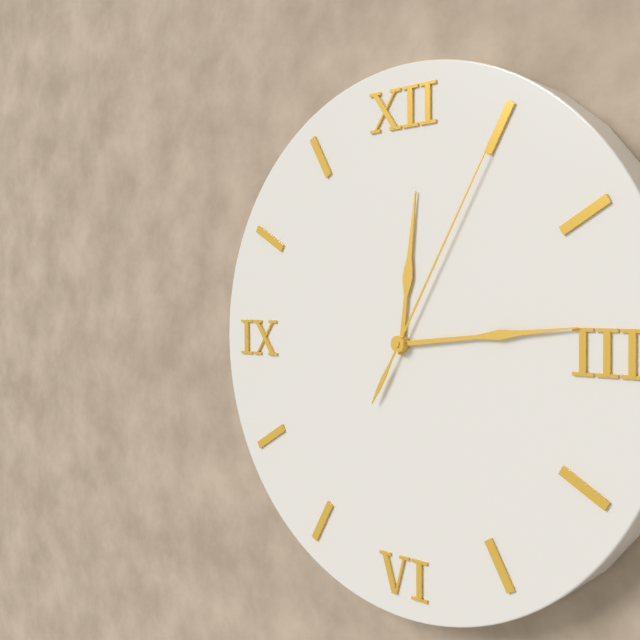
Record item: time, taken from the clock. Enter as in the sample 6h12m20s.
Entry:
12h14m05s
